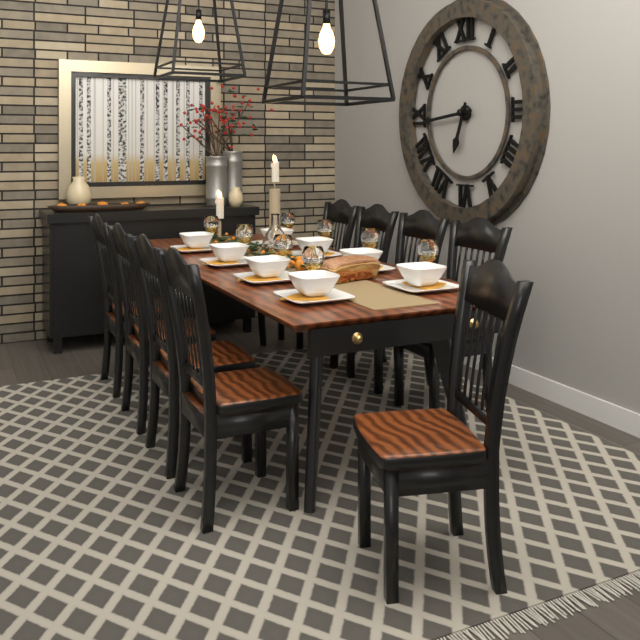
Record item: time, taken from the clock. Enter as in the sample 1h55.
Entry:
6h44
